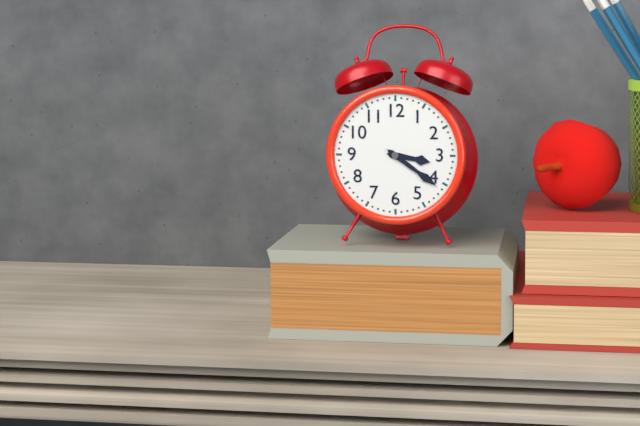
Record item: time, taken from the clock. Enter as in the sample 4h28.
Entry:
3h21
